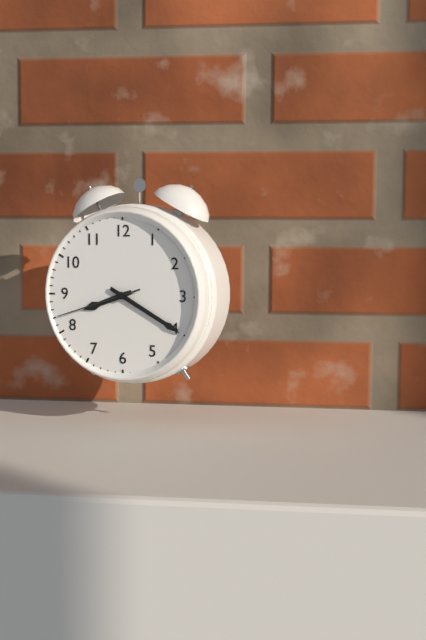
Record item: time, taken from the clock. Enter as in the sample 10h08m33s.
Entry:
8h20m42s
